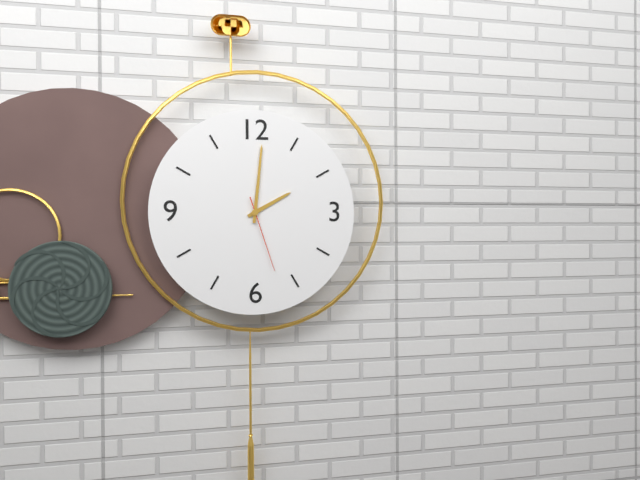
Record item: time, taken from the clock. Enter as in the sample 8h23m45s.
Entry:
2h01m27s
